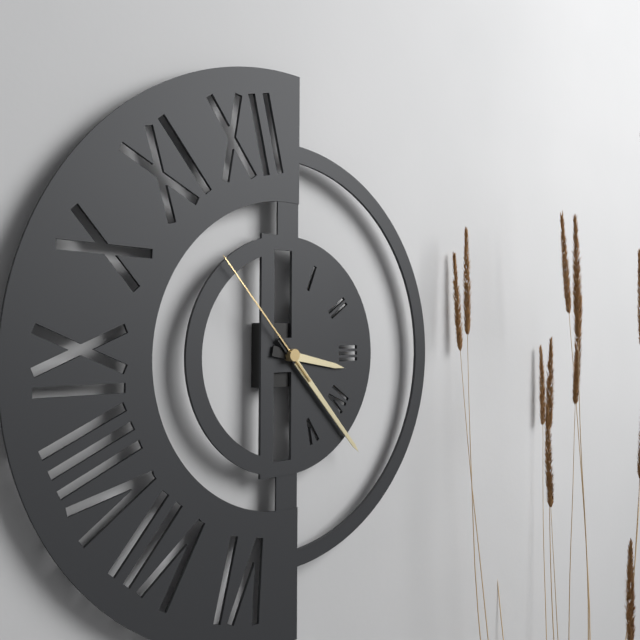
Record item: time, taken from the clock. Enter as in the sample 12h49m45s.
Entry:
3h23m53s
